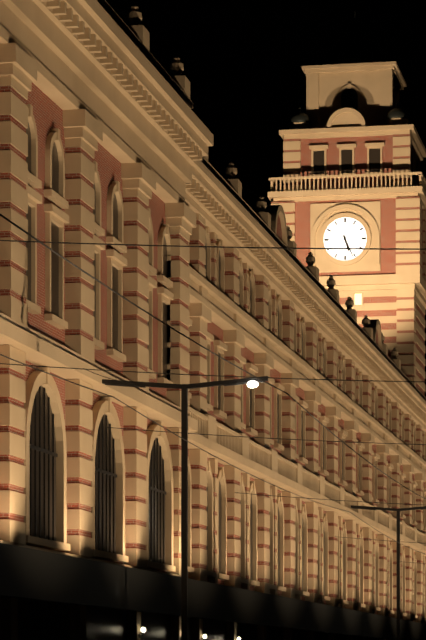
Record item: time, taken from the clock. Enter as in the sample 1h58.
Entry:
5h26
